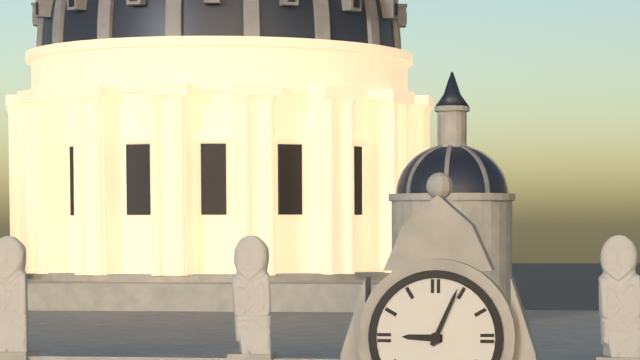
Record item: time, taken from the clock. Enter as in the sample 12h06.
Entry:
9h04
